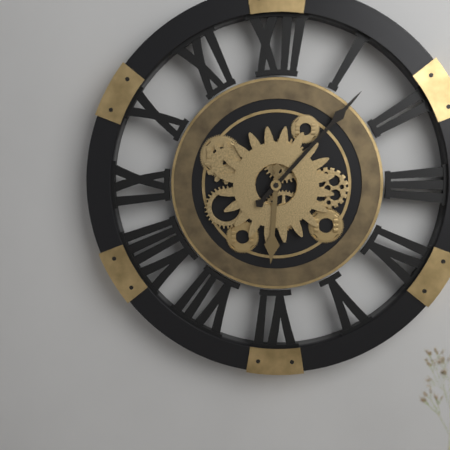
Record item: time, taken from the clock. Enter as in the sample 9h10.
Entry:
6h07
